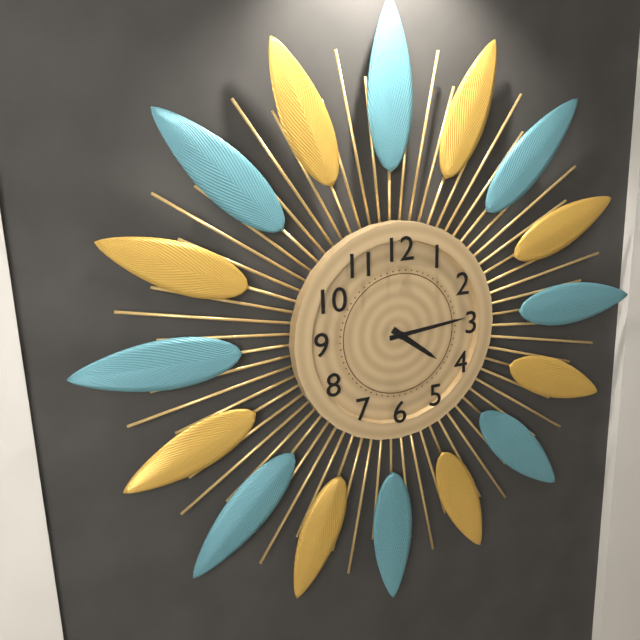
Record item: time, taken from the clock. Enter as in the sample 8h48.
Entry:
4h14
